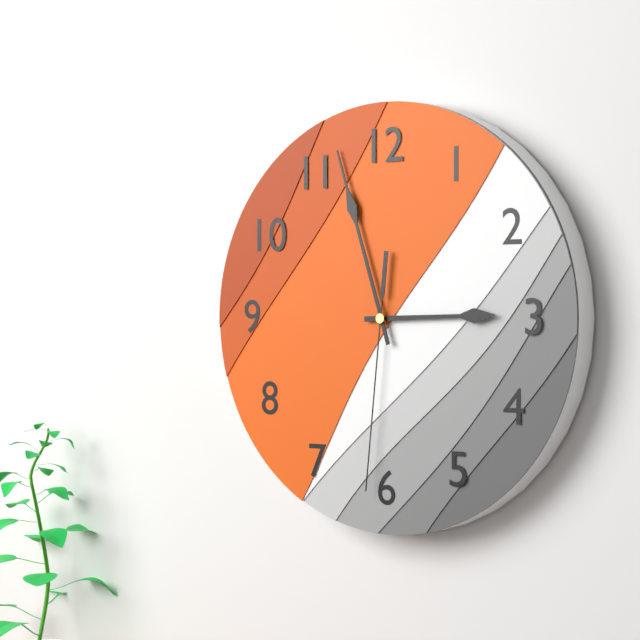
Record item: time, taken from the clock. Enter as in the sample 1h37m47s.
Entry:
2h57m31s
